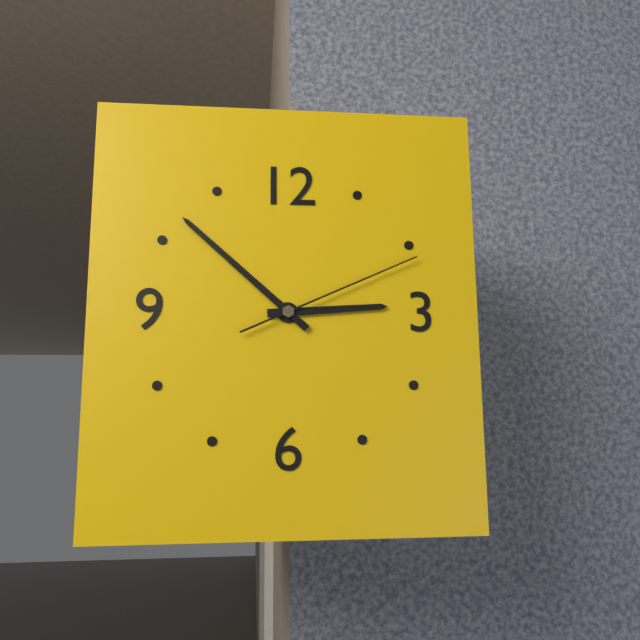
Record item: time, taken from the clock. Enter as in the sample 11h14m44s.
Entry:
2h52m11s
